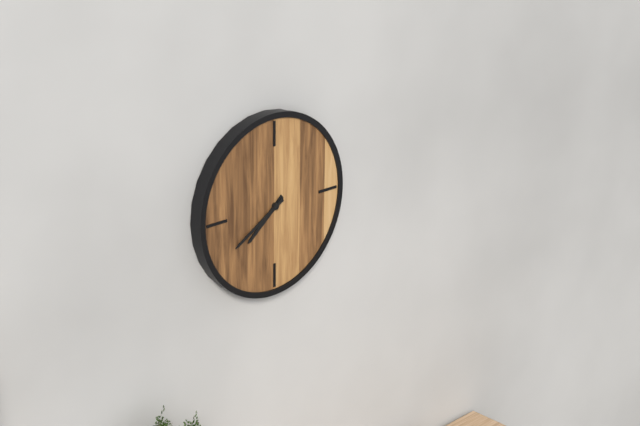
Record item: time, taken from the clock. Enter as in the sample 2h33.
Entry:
7h40
